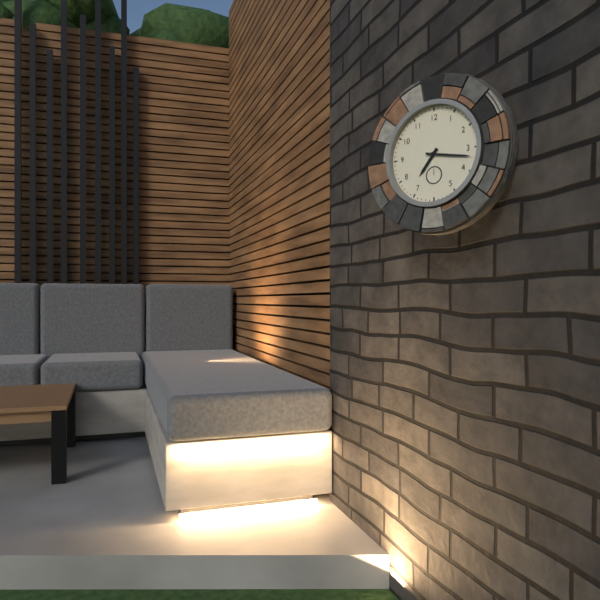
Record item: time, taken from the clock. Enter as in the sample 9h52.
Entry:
7h17
